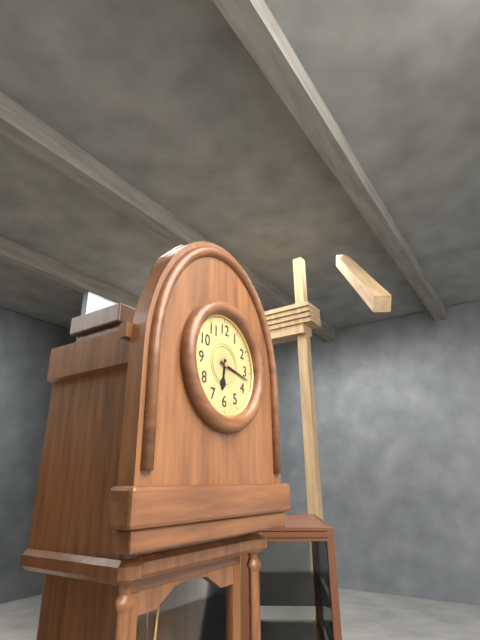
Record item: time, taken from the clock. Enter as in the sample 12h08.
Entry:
6h17
